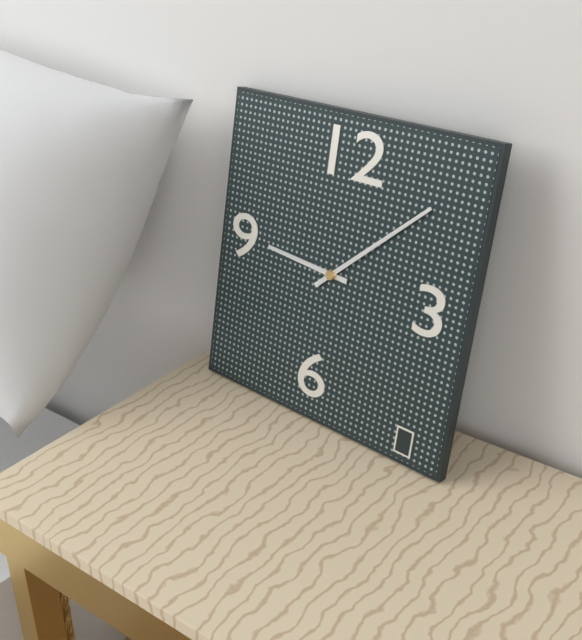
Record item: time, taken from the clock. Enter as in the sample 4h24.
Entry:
9h08
